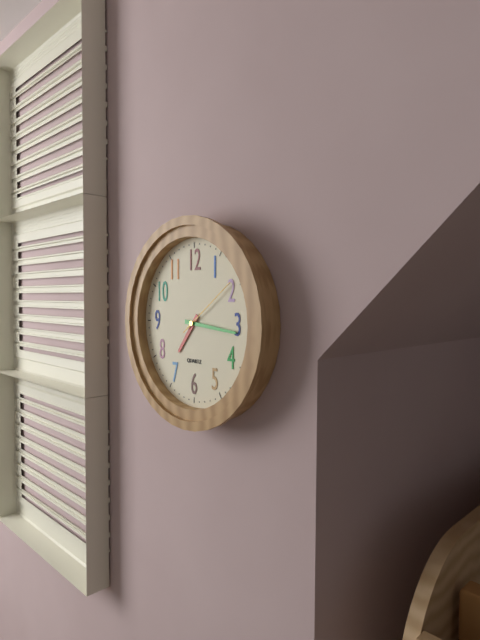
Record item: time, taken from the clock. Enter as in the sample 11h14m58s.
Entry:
7h16m09s
